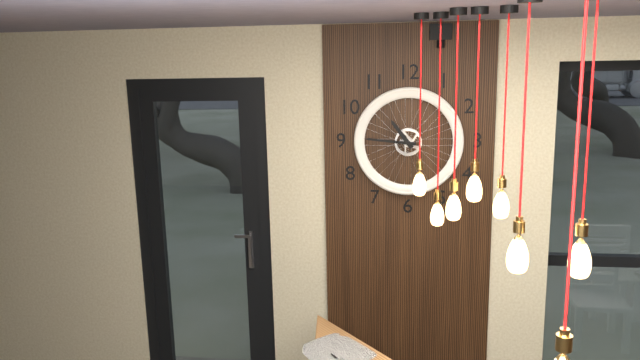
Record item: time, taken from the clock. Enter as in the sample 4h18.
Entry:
10h46
